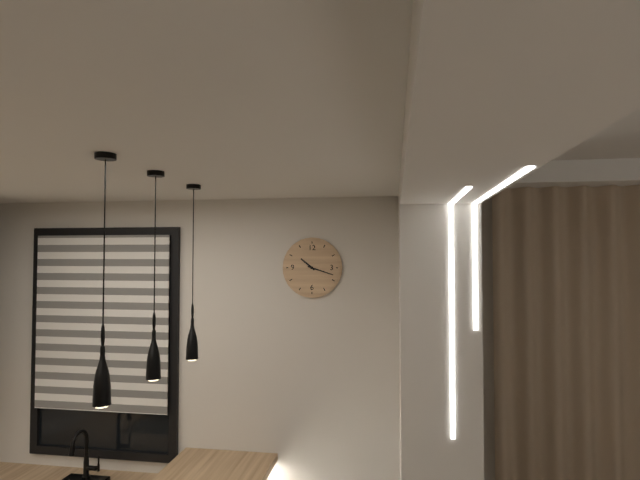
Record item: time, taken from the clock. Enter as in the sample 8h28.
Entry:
10h18
